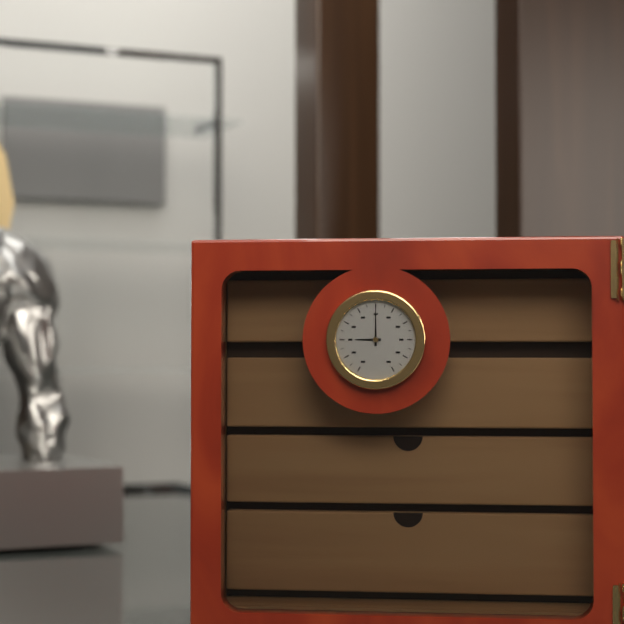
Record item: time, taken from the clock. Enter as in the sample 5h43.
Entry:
9h00
